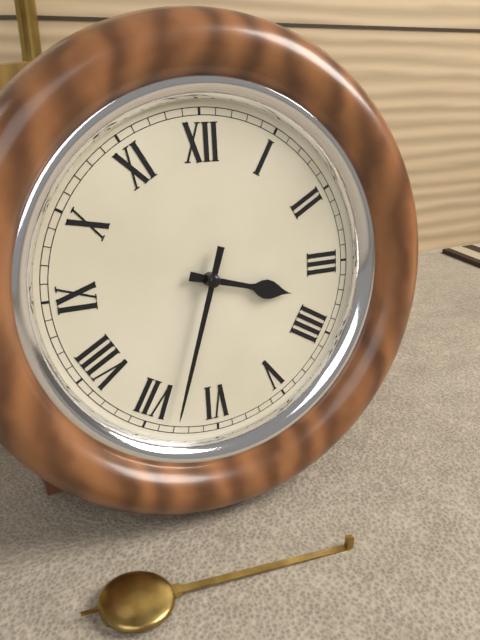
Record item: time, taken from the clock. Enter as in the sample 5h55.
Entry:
3h33
